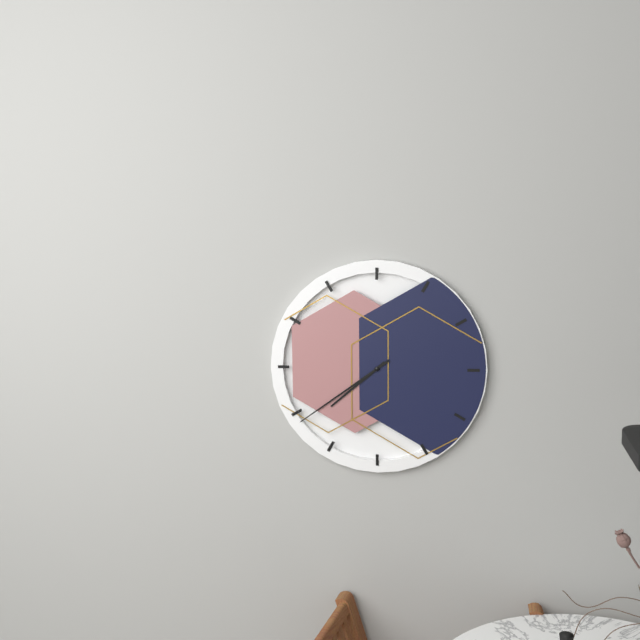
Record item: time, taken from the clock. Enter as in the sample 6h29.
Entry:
7h39
